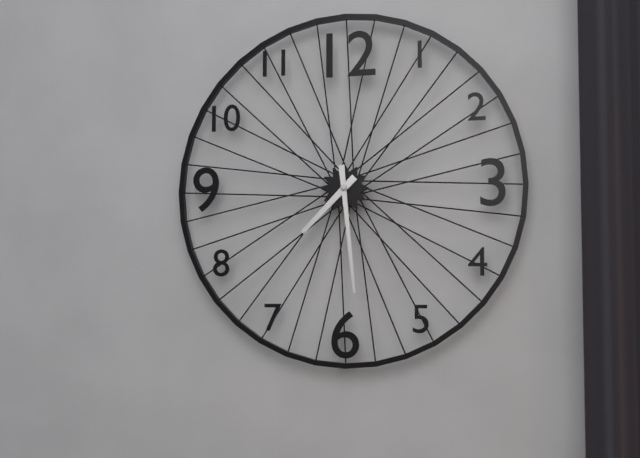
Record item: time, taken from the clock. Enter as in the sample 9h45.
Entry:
7h29
